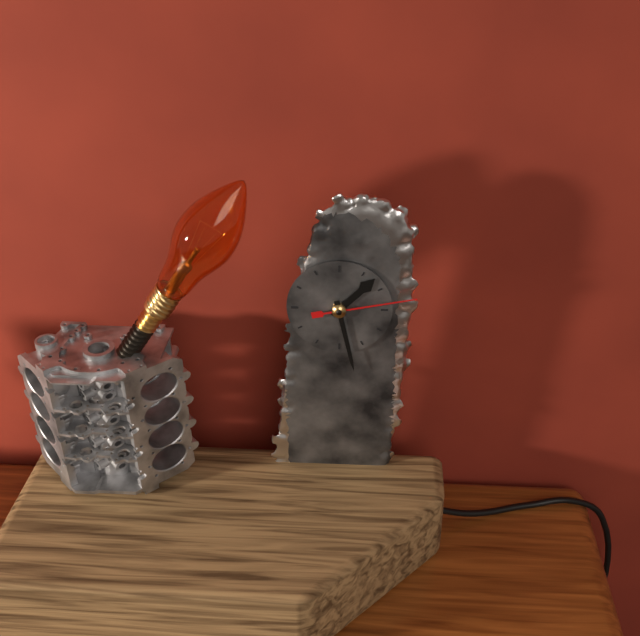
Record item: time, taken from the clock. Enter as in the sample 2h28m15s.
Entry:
1h28m13s
